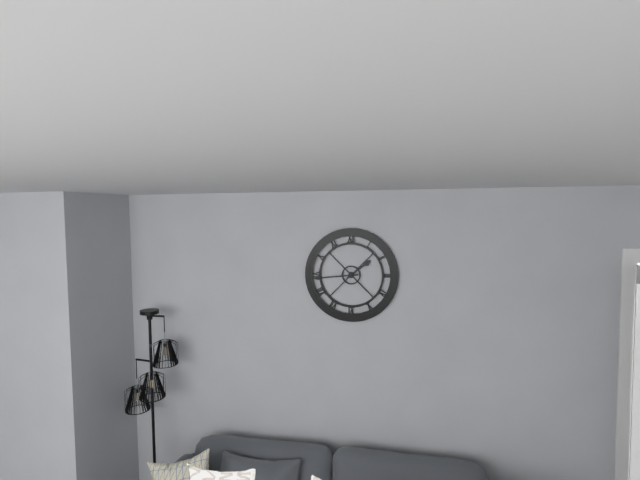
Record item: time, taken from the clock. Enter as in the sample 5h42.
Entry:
1h44
